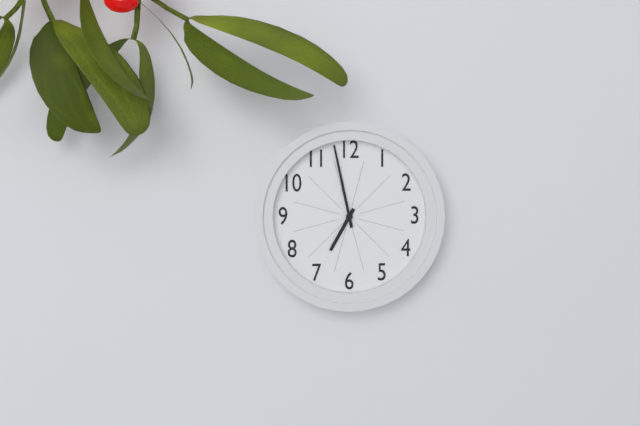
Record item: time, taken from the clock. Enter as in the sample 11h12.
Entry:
6h58
